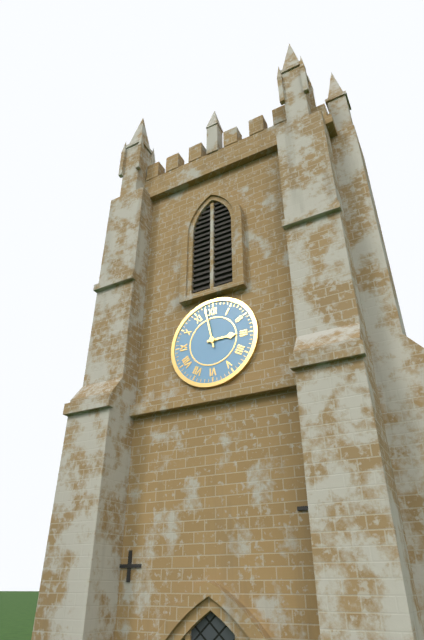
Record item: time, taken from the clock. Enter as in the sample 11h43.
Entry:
2h58
